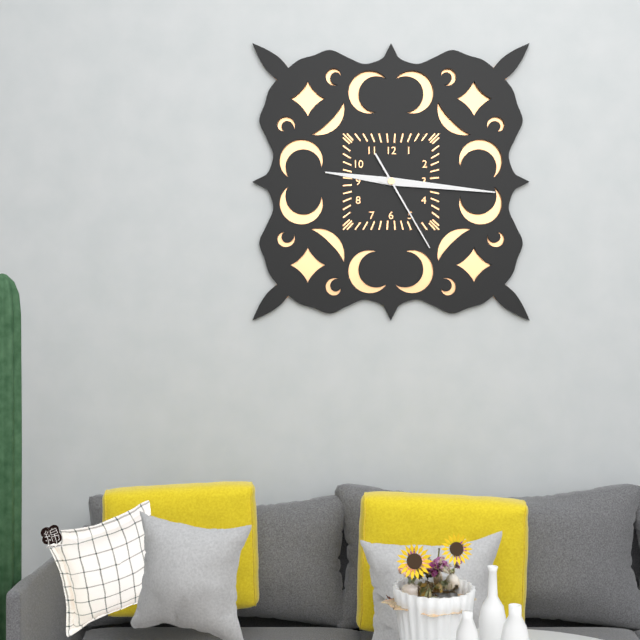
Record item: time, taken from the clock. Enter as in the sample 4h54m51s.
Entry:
9h16m25s
